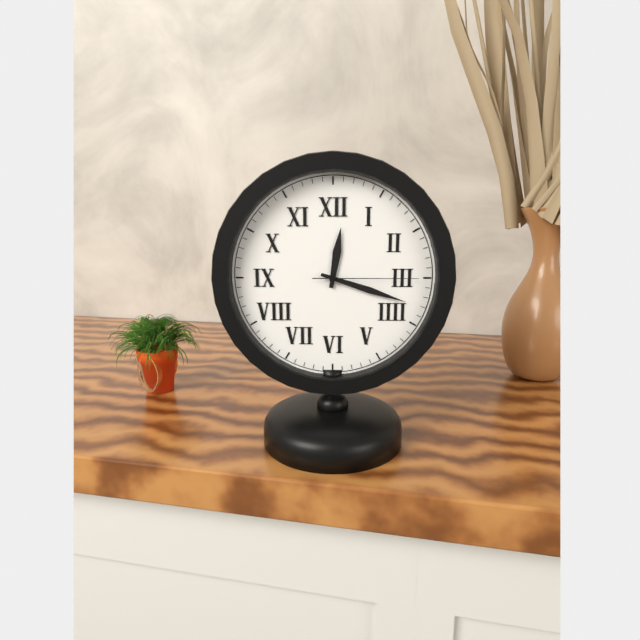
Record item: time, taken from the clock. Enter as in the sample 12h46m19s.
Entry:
12h18m15s
